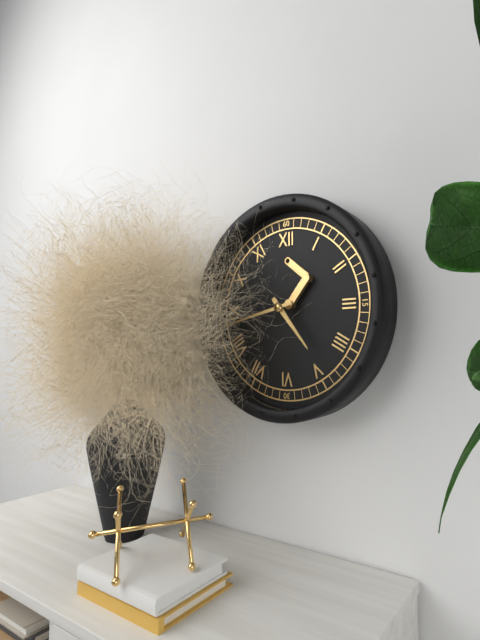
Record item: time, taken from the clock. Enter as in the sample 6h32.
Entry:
4h43
